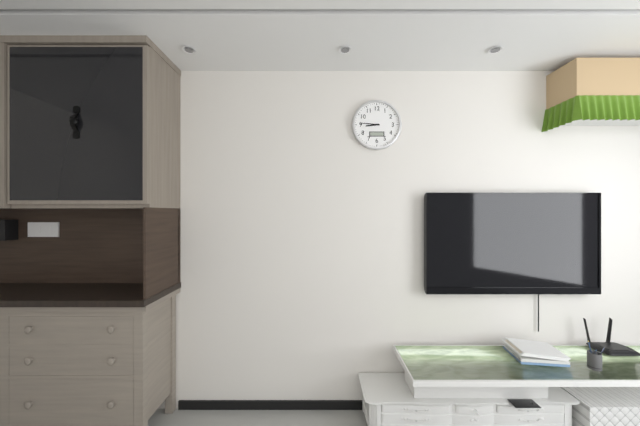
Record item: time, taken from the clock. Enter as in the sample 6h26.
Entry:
8h46
